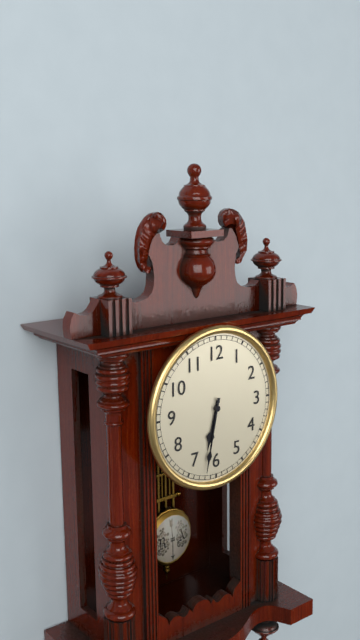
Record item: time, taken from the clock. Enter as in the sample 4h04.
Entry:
6h32
